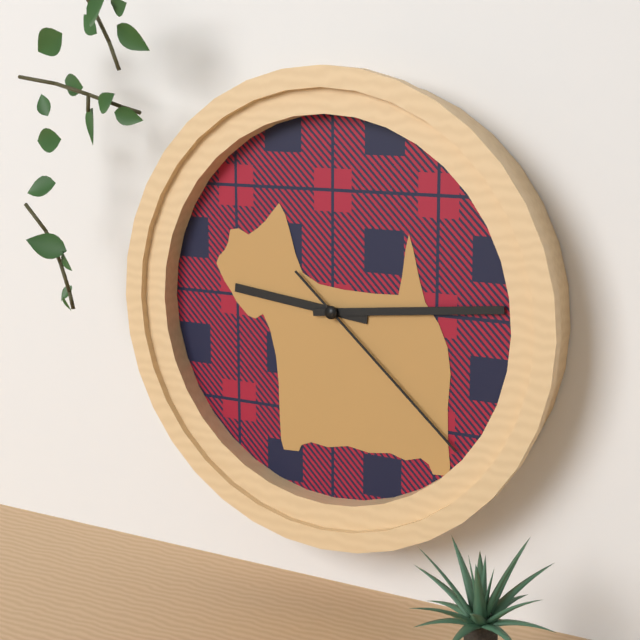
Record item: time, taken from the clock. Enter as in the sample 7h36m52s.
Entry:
9h14m22s
